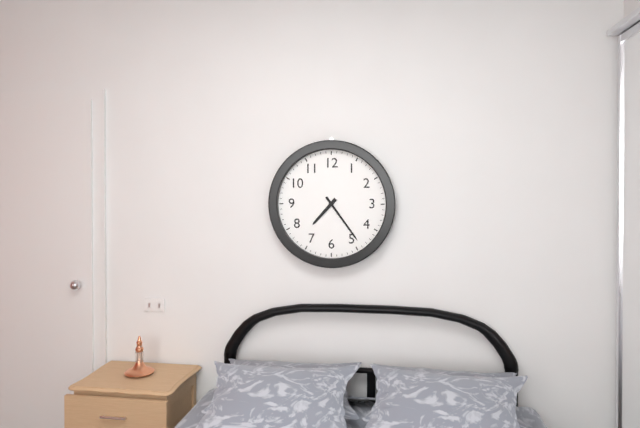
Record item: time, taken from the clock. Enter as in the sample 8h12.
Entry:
7h24
